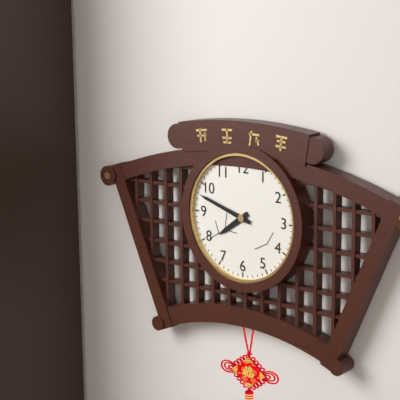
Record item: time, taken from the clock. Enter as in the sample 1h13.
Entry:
7h48
